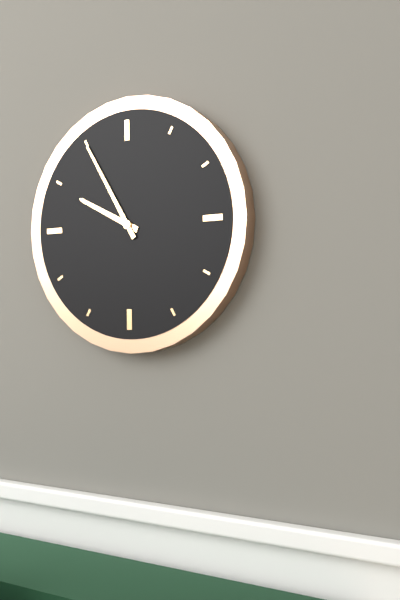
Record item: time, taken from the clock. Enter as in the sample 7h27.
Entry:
9h55
